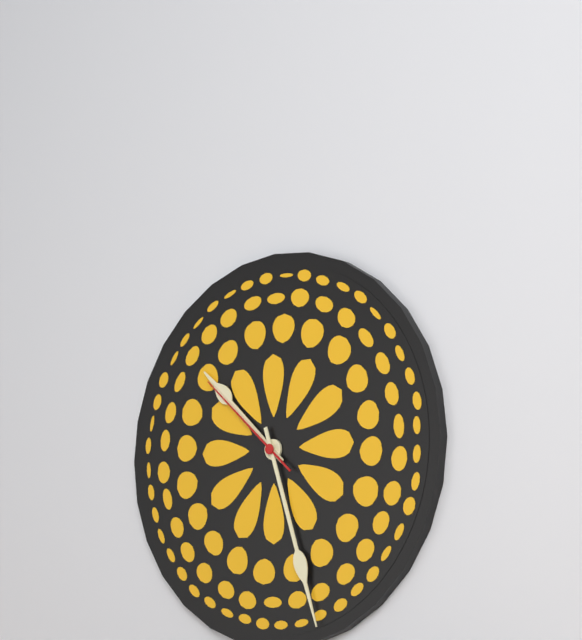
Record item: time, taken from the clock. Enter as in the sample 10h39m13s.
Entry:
10h27m52s
